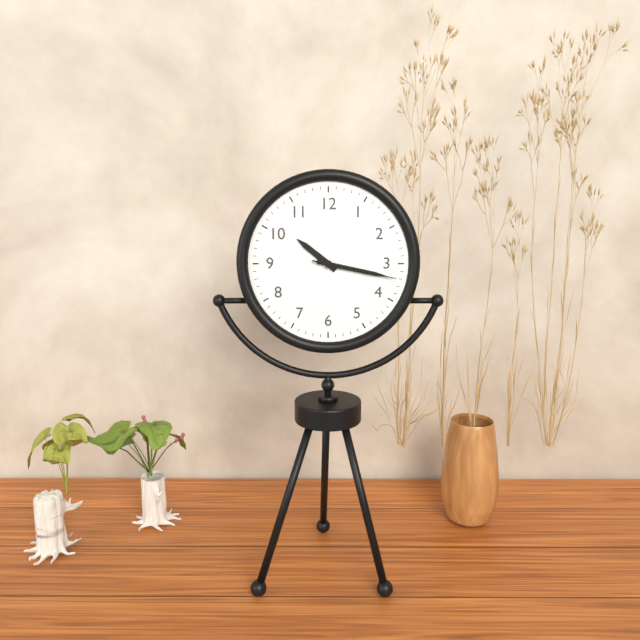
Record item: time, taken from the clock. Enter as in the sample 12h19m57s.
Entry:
10h17m17s
